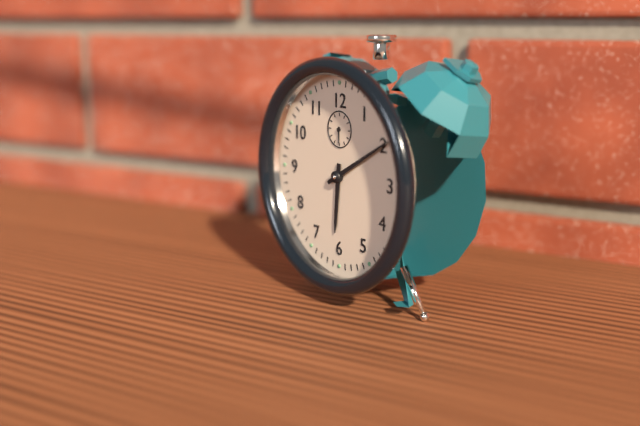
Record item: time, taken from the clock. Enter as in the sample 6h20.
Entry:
6h10
